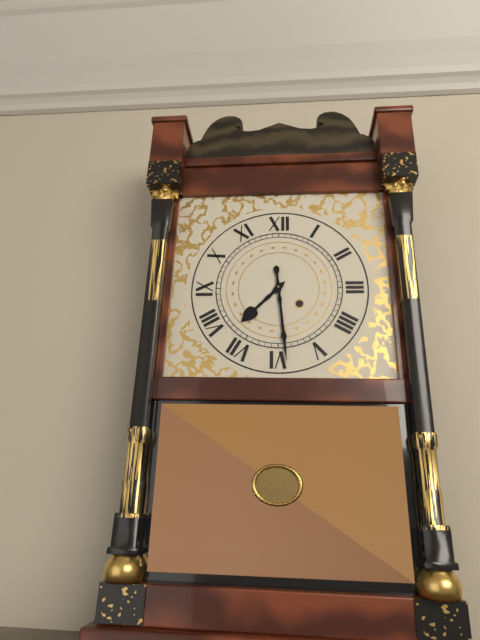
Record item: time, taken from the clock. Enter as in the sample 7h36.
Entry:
7h29
